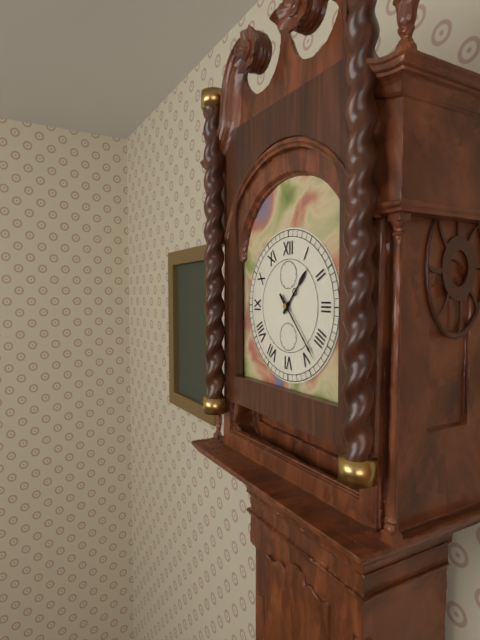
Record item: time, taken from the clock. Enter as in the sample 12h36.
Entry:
1h23
